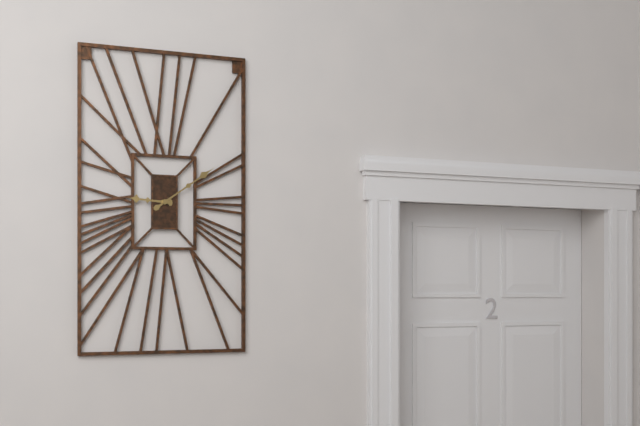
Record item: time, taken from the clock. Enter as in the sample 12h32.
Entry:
9h09
